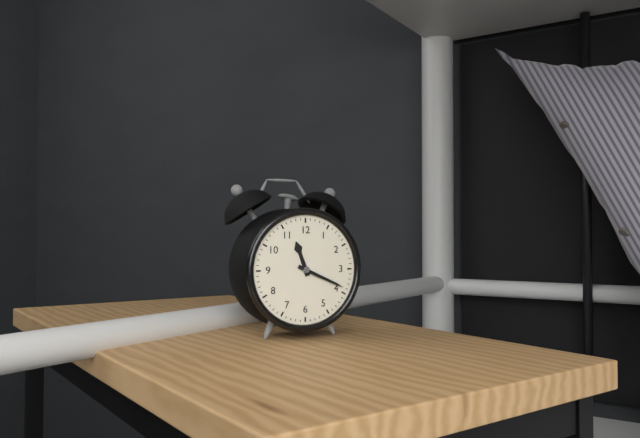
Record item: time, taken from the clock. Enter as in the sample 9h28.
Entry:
11h19
